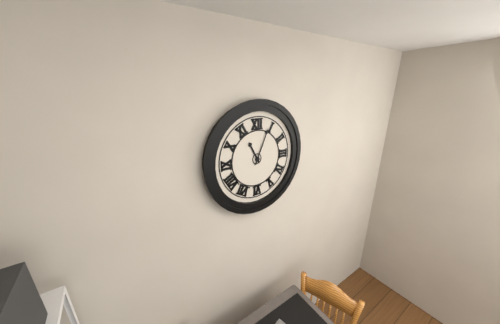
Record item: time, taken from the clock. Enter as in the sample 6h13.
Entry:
11h04
